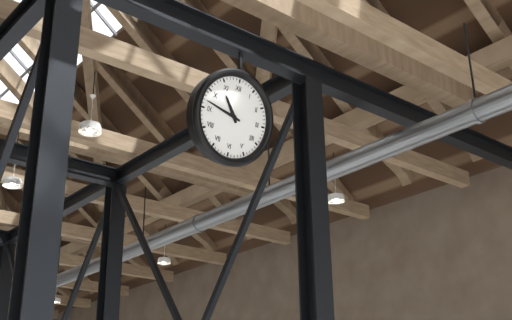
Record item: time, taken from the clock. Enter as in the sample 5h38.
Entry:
10h47
